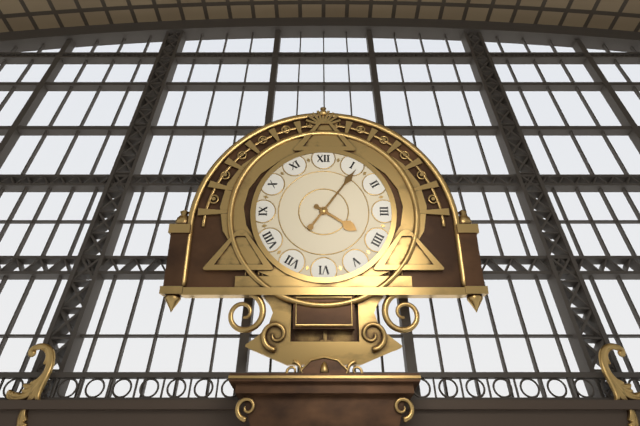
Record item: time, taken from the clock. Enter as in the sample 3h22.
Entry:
4h06
